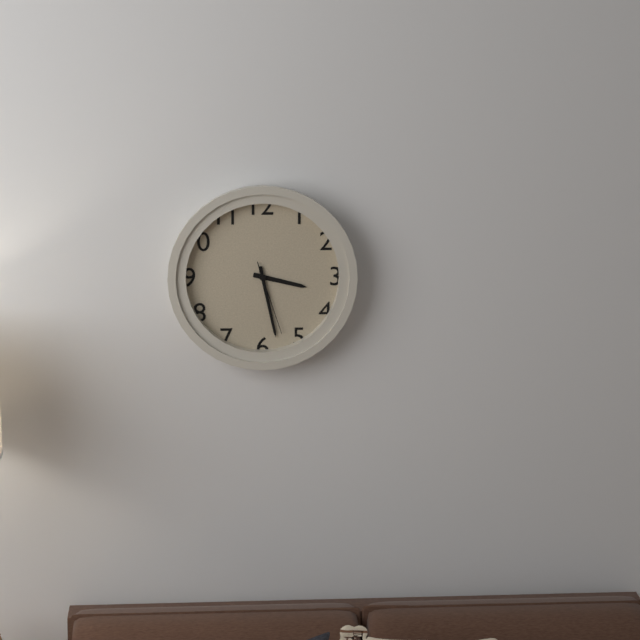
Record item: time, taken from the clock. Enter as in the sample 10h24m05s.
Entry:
3h28m27s
